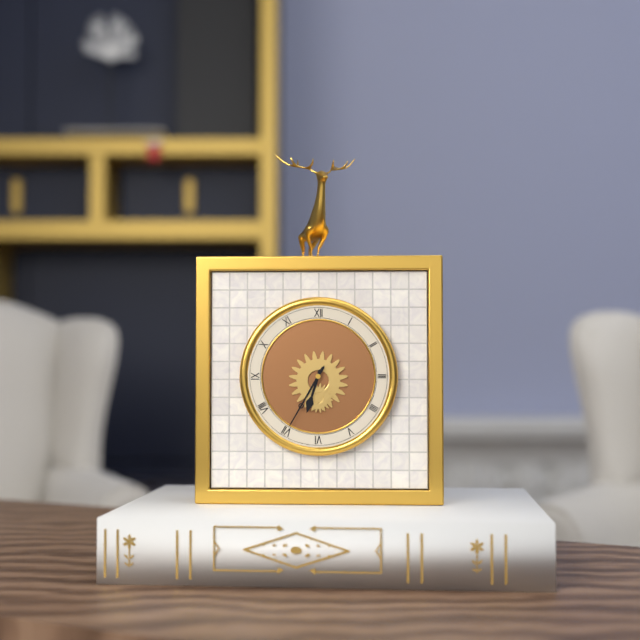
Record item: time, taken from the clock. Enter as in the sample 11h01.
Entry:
6h35
